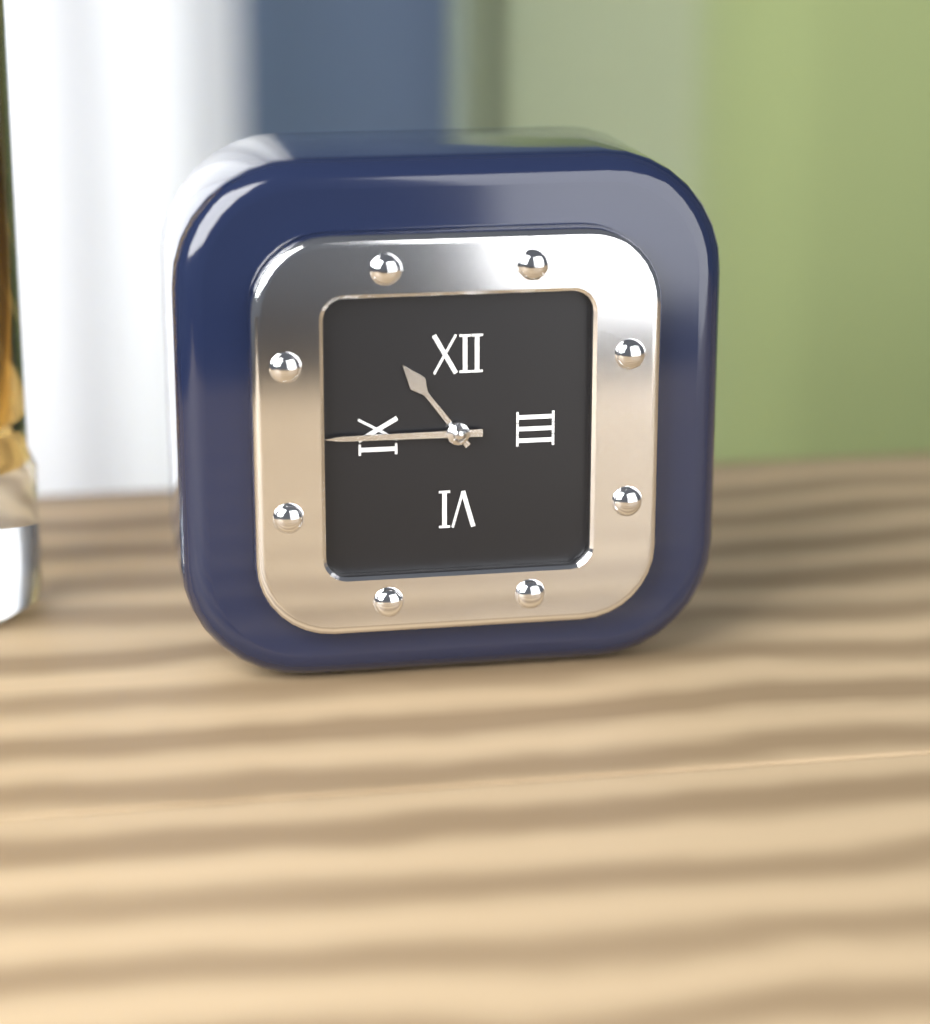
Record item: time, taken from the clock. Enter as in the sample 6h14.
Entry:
10h45
